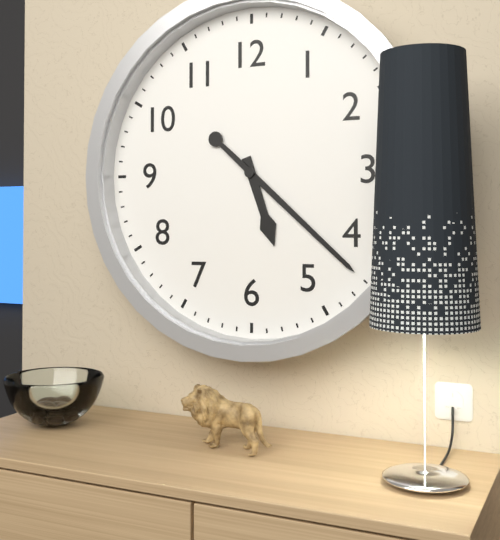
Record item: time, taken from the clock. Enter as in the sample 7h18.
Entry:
5h22
